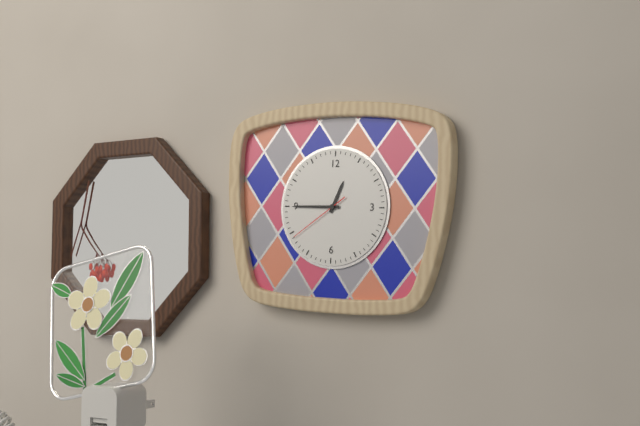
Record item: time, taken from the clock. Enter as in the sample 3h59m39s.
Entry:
12h45m39s
